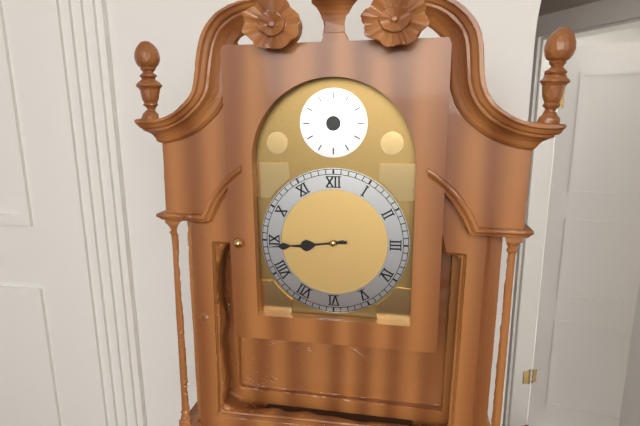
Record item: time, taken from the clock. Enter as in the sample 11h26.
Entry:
8h44
